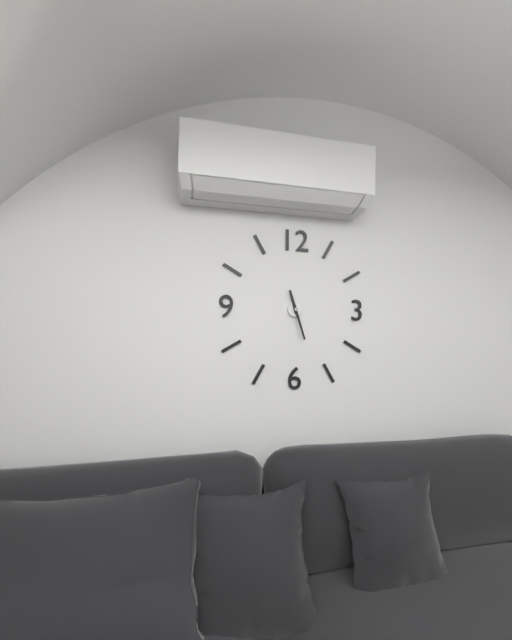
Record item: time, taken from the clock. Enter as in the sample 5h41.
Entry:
11h27
